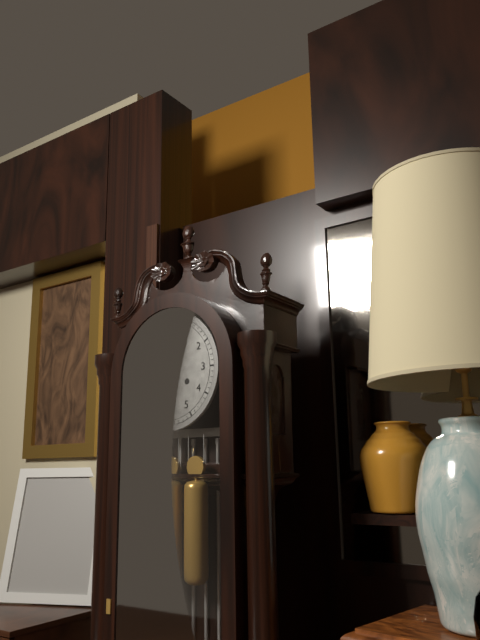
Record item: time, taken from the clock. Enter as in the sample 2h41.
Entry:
10h53
